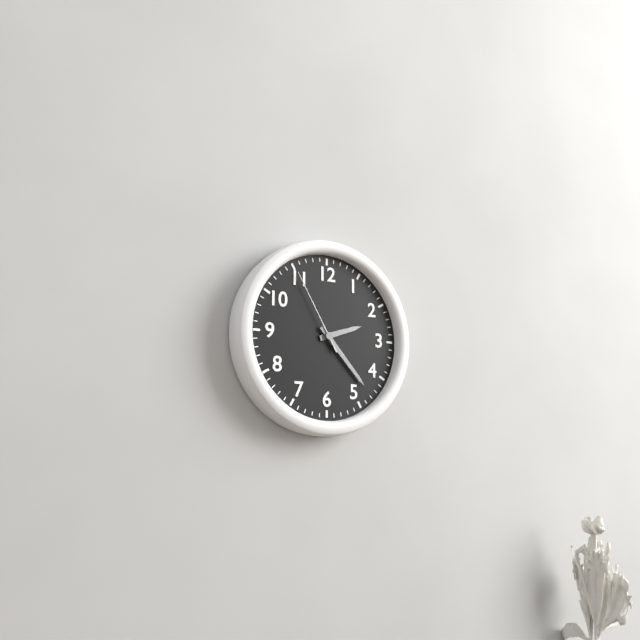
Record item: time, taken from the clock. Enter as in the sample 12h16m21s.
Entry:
2h23m55s
